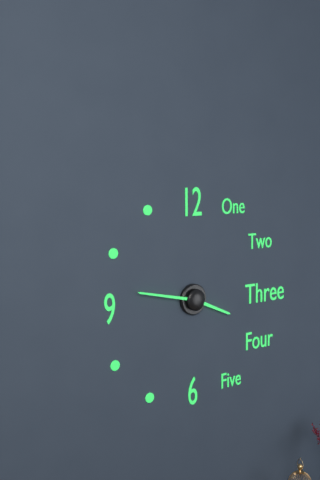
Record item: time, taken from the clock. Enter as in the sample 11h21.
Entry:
3h47
